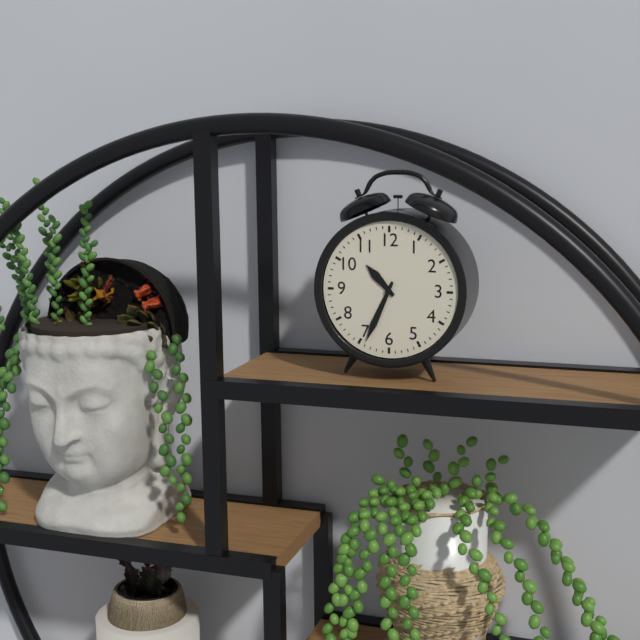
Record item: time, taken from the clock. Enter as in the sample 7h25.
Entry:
10h34
